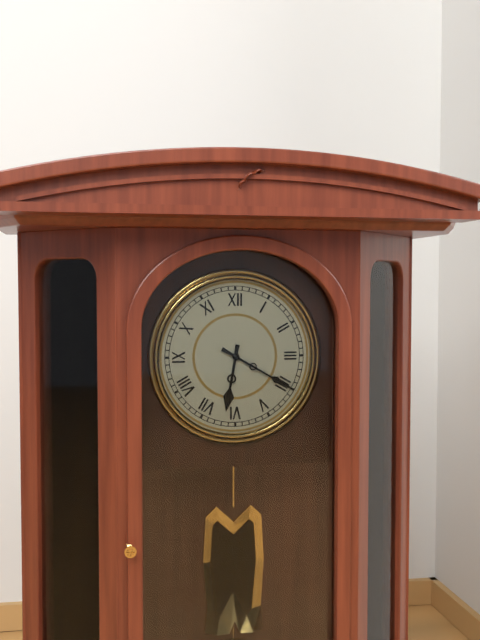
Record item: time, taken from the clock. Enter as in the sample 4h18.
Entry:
6h20
